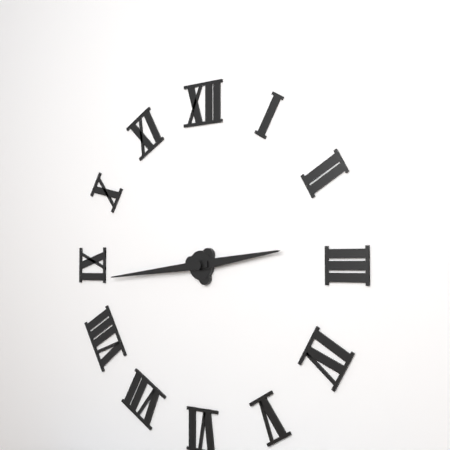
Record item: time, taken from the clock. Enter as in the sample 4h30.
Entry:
2h44
